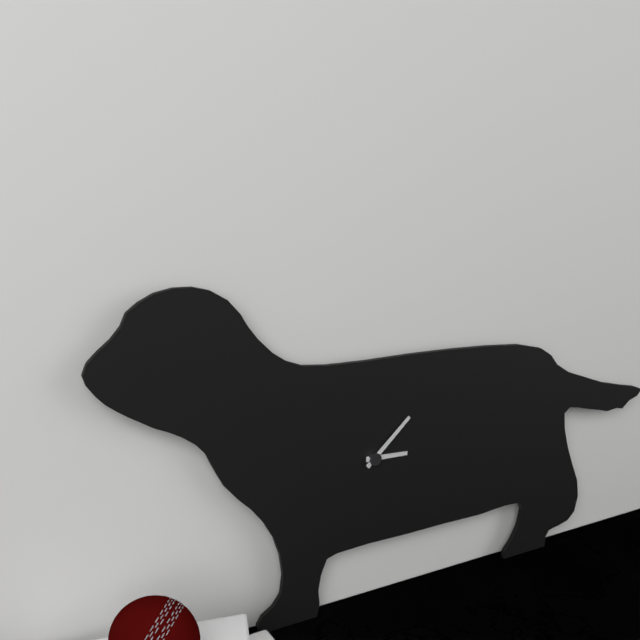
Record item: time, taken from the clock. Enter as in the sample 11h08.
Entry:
3h08
